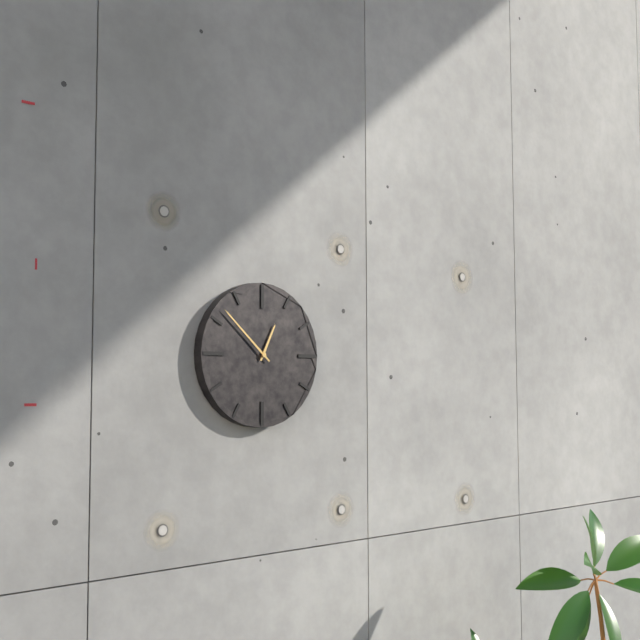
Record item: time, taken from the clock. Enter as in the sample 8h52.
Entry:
12h52
